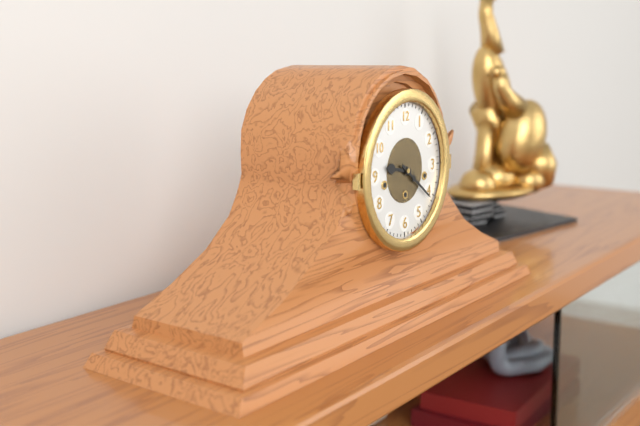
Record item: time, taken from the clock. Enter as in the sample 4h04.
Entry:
9h21
